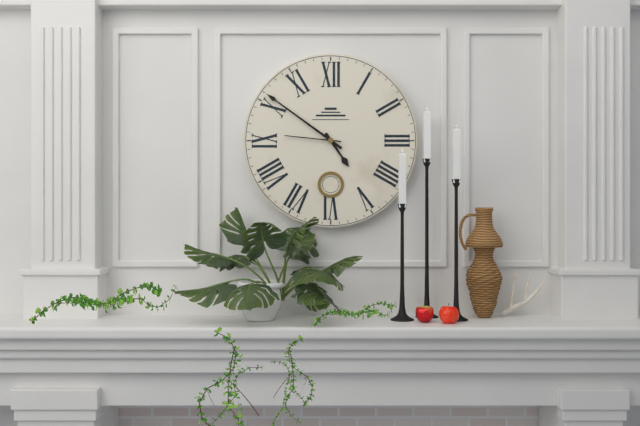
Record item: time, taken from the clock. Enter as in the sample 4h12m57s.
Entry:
4h51m46s
